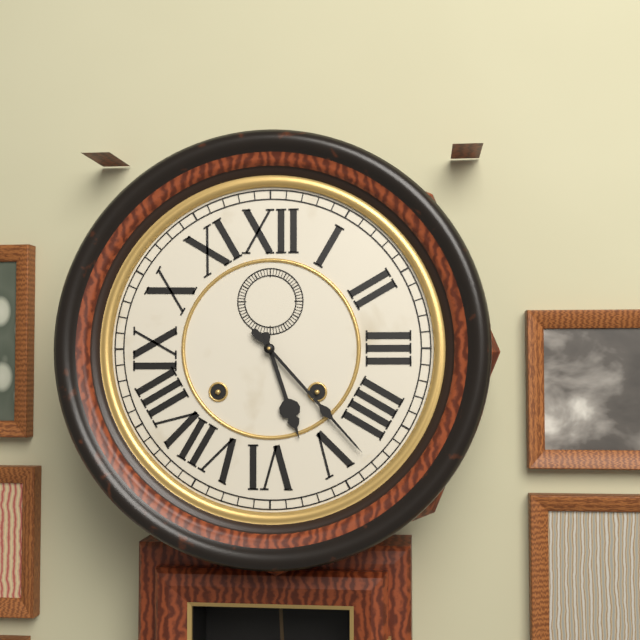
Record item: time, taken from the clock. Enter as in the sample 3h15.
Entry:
5h23
